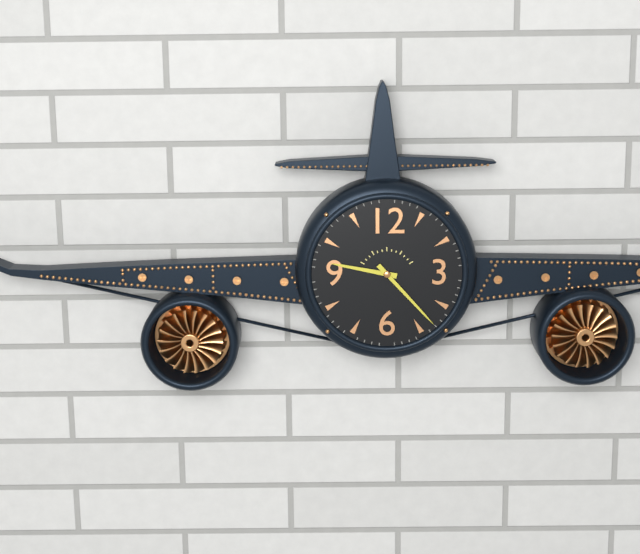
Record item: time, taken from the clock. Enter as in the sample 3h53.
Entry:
9h23
